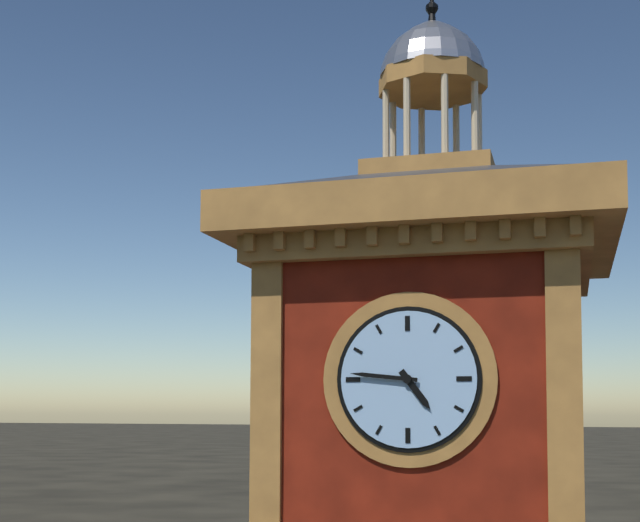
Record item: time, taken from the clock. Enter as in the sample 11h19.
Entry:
4h46
